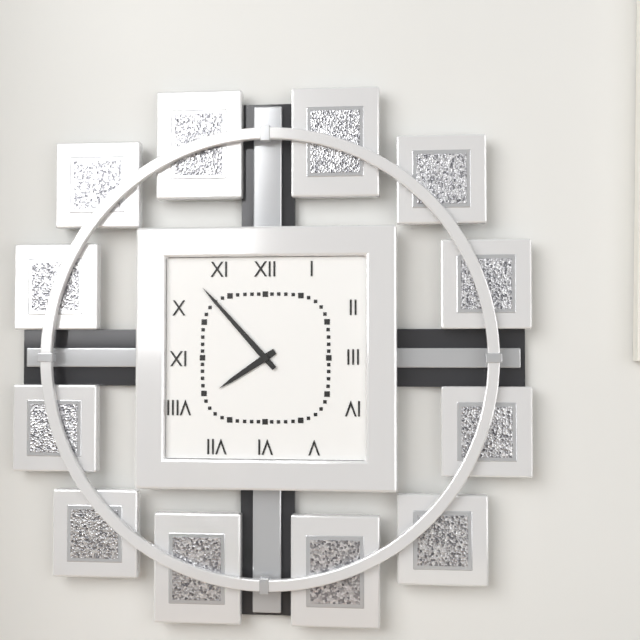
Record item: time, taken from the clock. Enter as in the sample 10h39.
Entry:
7h53
